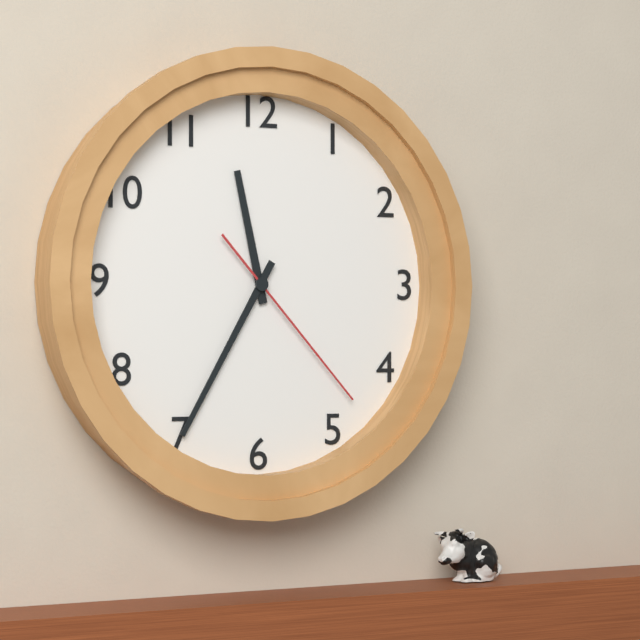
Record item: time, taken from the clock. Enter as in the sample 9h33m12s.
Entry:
11h35m23s
